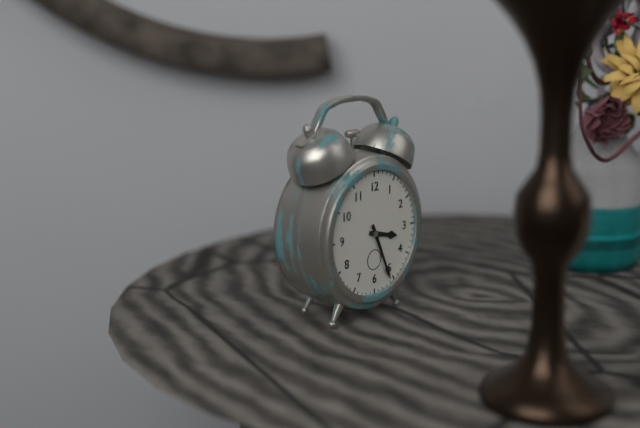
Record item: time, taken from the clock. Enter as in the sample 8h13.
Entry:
3h26
